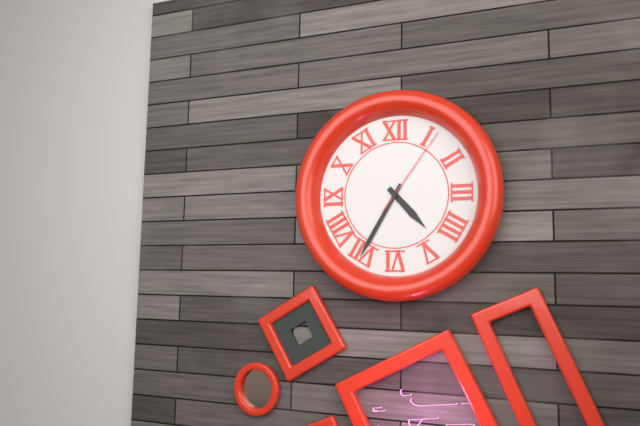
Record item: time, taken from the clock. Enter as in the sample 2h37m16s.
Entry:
4h35m06s
